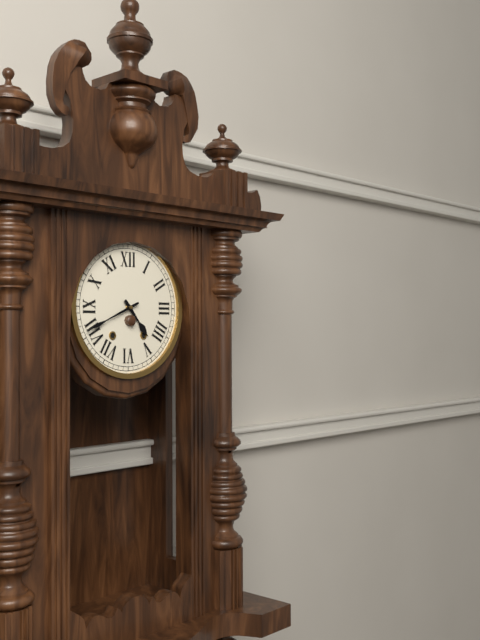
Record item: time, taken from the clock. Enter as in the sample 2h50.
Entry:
4h41
